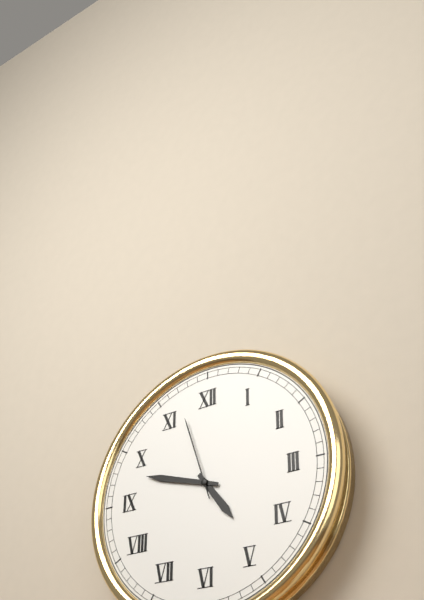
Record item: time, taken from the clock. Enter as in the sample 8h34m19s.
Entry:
4h48m57s
